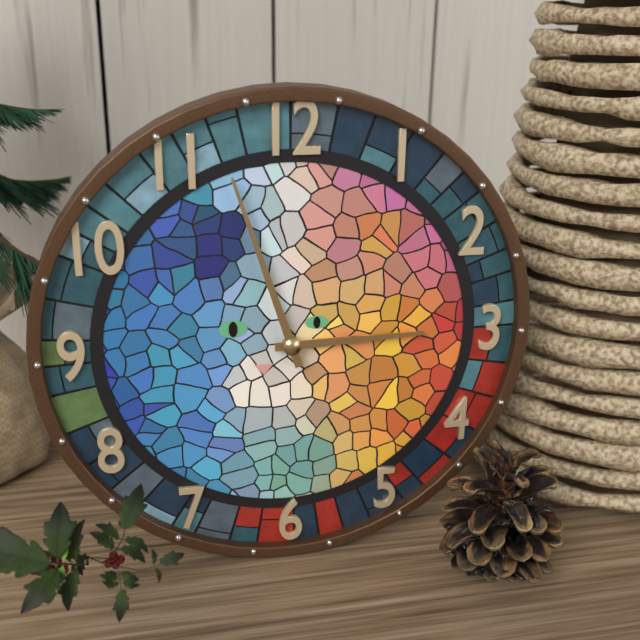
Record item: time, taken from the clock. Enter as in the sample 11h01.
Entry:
2h57
